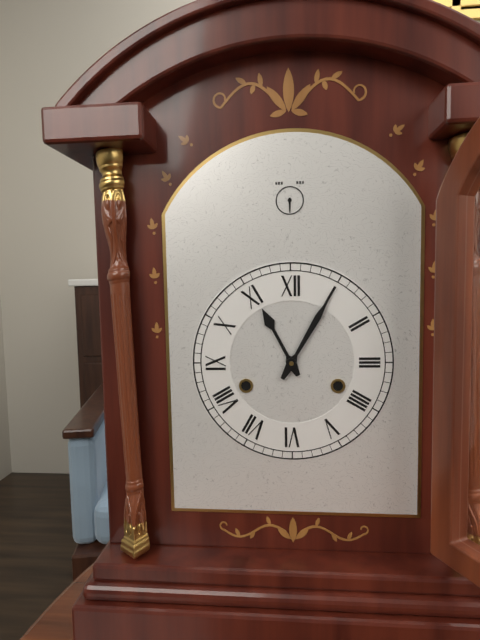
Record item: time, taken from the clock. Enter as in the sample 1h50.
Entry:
11h05
